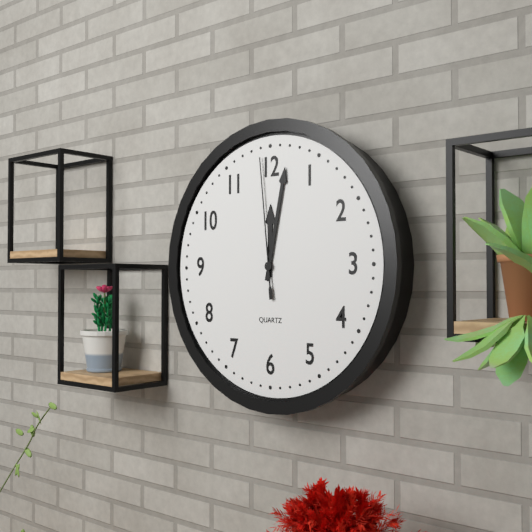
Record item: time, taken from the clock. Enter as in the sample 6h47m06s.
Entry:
12h02m59s
